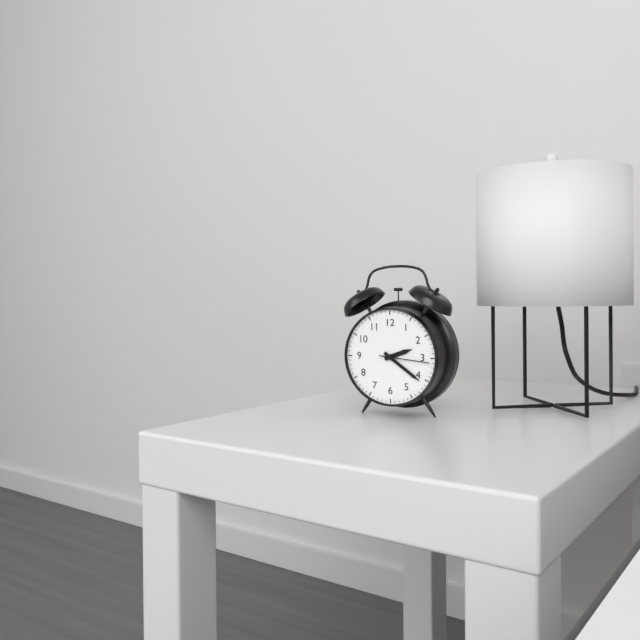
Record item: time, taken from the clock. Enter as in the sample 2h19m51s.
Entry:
2h21m16s
